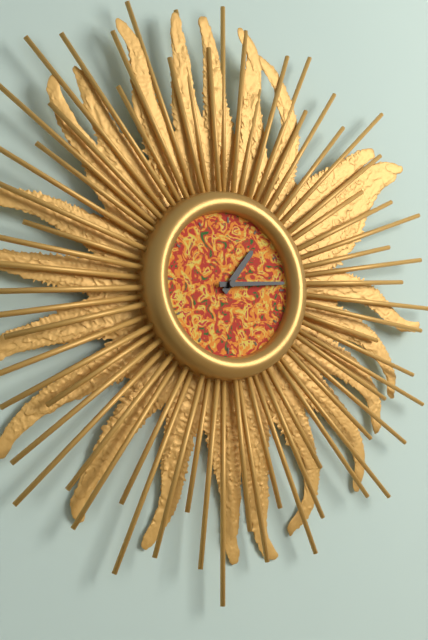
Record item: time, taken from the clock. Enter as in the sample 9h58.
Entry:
1h14
